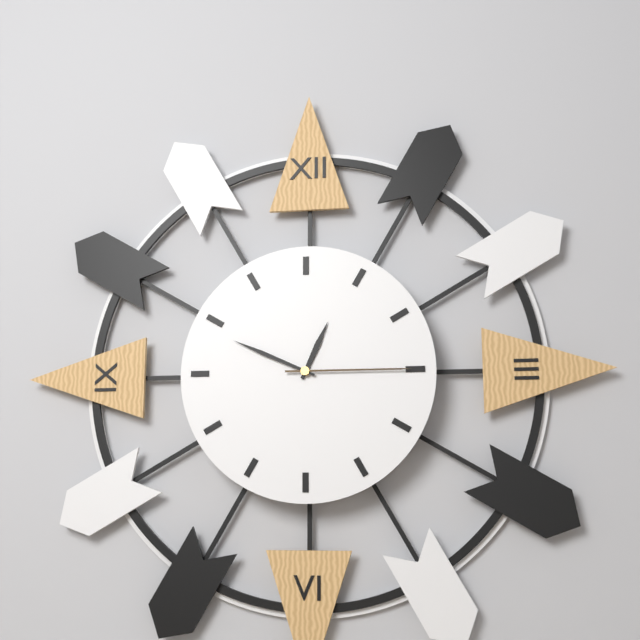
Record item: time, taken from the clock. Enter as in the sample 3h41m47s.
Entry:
12h49m15s
